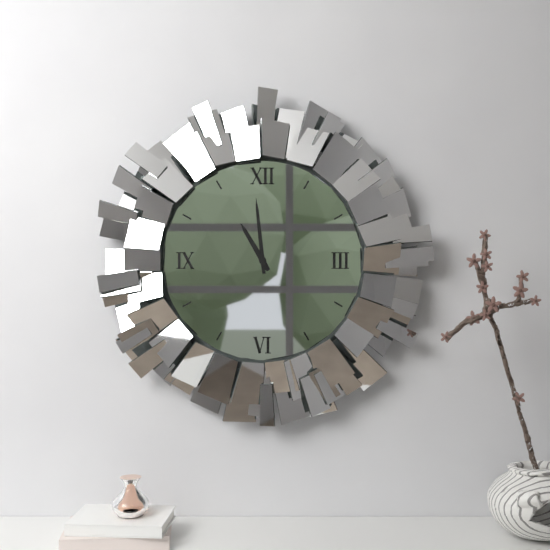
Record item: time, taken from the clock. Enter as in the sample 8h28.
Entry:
10h59
